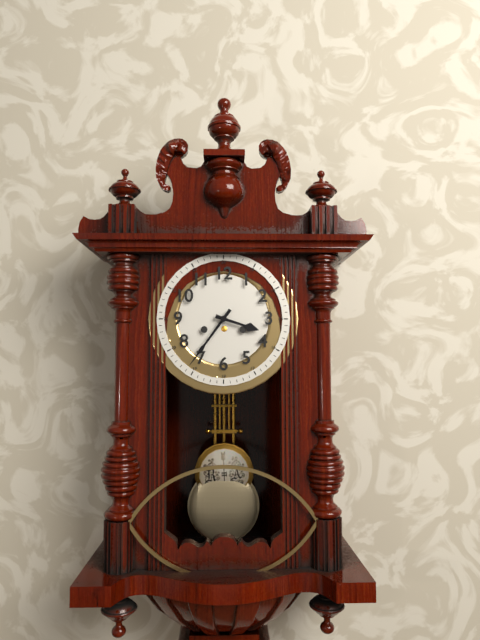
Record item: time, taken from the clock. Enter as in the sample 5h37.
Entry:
3h36
